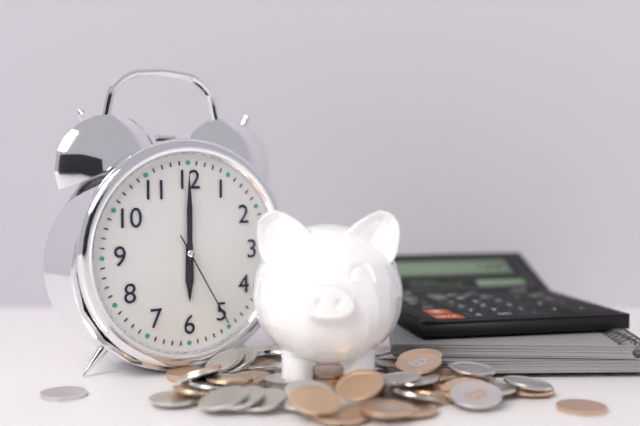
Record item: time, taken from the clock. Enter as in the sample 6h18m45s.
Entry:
6h00m25s
